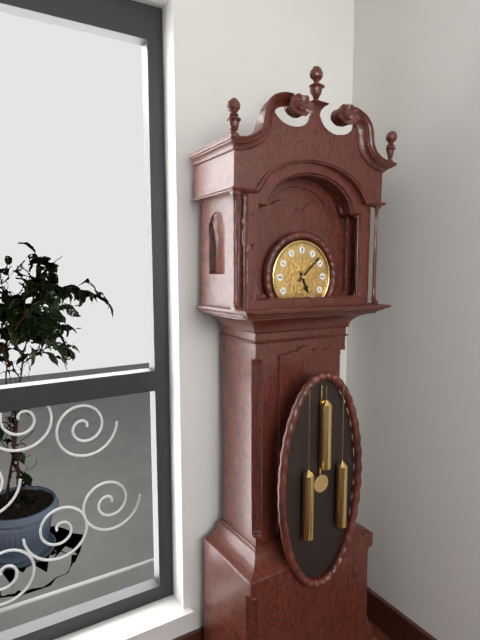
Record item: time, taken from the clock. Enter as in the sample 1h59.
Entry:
5h08
